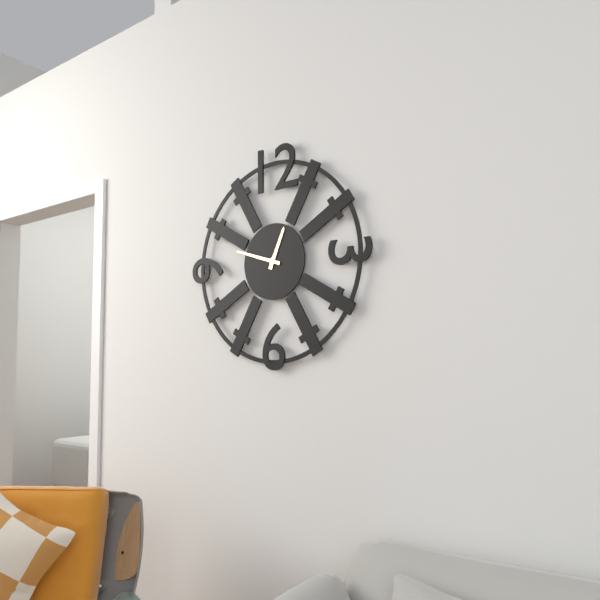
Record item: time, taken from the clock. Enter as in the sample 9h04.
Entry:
12h48
